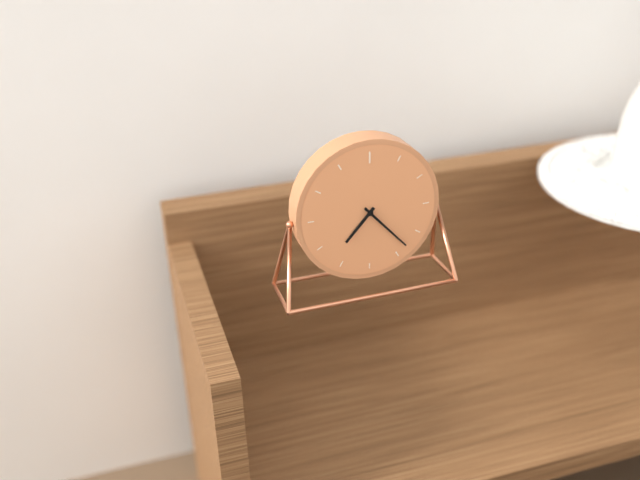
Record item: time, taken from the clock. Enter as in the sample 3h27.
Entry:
7h23
